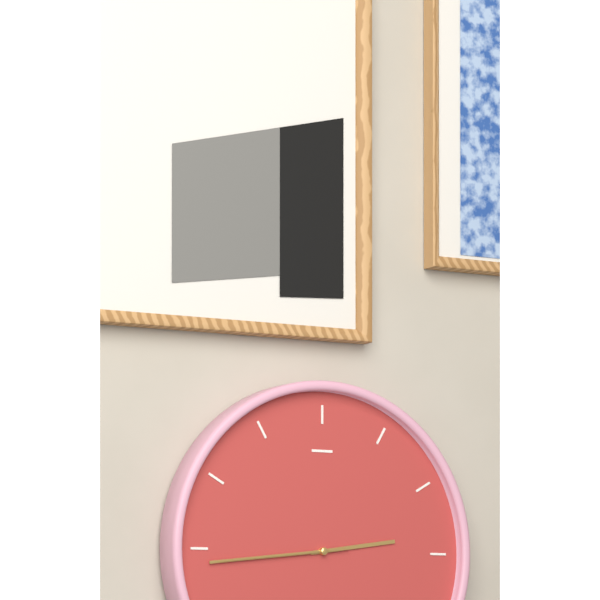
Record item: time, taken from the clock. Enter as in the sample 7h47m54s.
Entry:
2h44m44s
